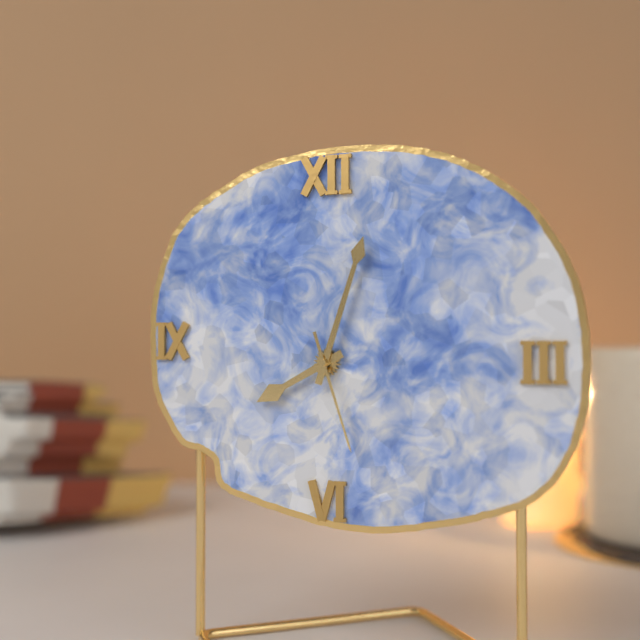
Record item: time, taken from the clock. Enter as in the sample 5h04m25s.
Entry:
8h03m27s
